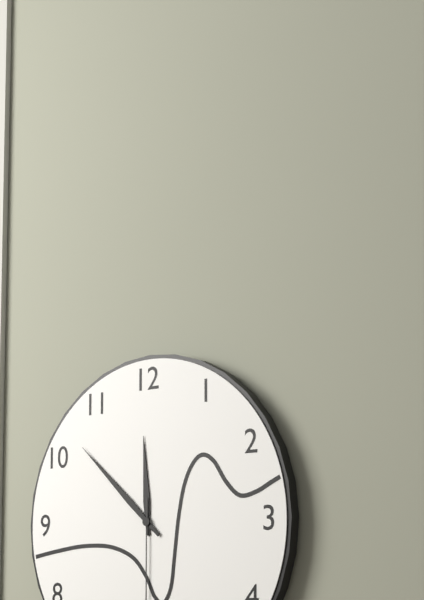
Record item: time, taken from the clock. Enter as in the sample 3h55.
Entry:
11h52
